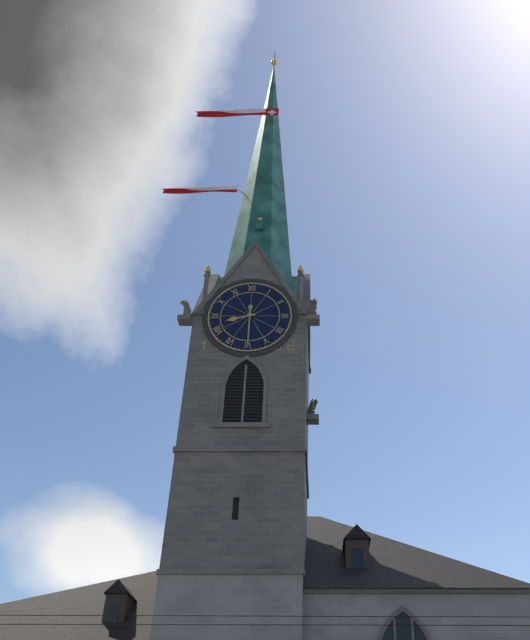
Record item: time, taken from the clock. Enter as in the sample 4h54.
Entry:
8h30
